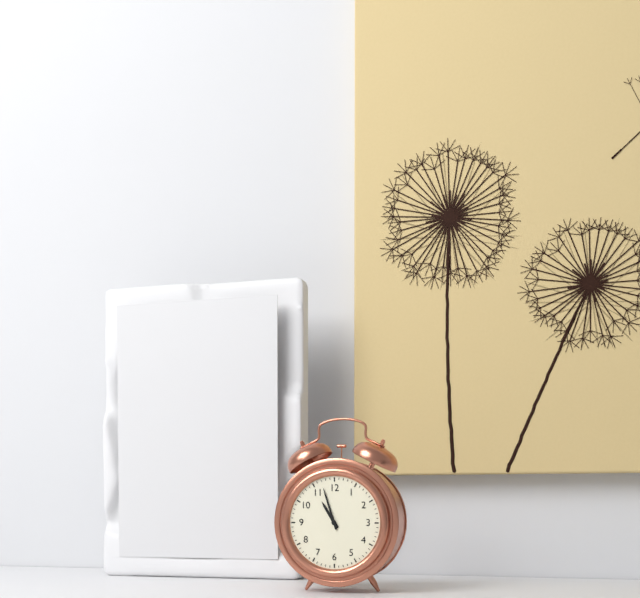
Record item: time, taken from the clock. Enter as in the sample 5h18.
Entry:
10h57
